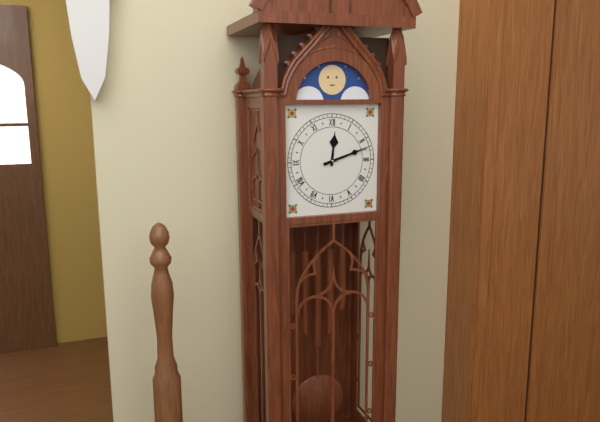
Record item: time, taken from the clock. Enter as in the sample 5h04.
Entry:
12h12
